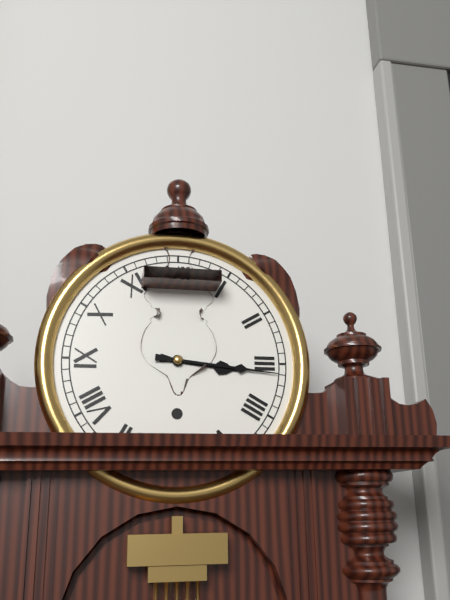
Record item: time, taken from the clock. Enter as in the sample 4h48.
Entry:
3h16
